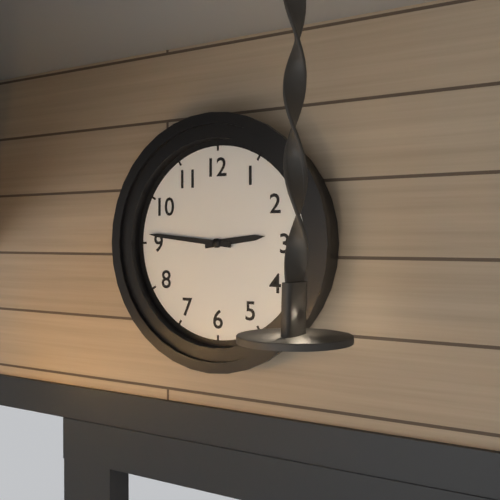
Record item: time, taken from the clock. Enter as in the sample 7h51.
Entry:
2h46
